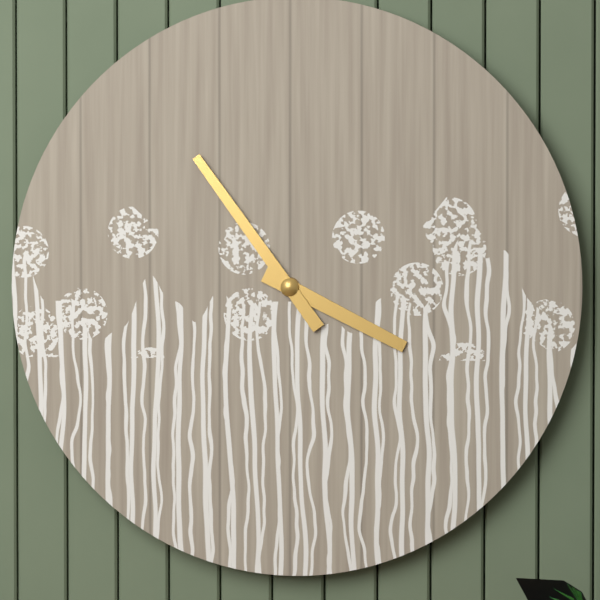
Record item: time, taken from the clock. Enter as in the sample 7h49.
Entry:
3h54
